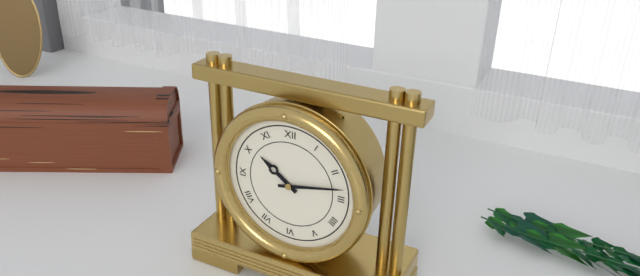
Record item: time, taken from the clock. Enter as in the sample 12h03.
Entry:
10h13
